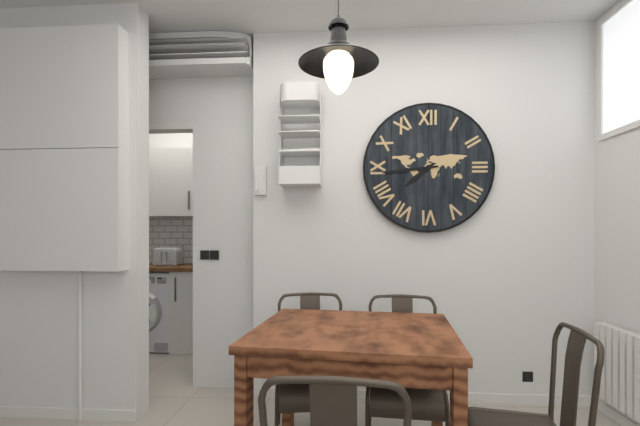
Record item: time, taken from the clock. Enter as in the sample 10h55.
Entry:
7h44
